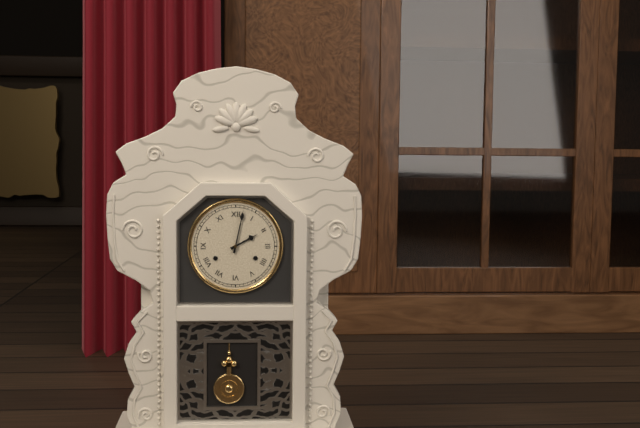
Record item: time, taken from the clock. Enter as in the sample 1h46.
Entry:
2h02
